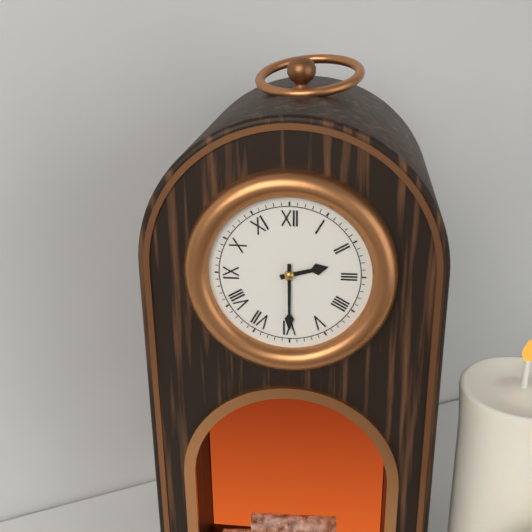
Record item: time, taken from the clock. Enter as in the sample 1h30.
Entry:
2h30
